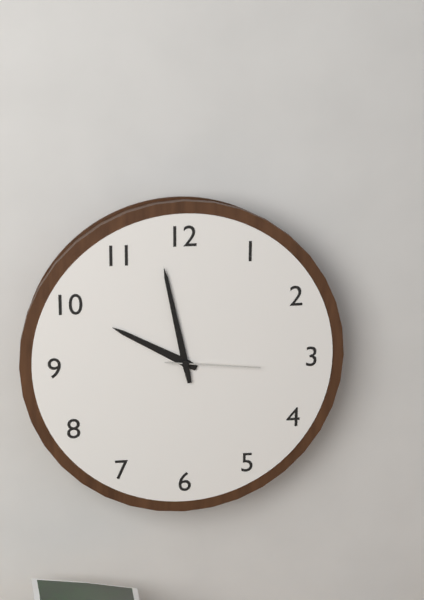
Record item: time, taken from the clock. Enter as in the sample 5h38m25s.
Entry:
9h58m16s
